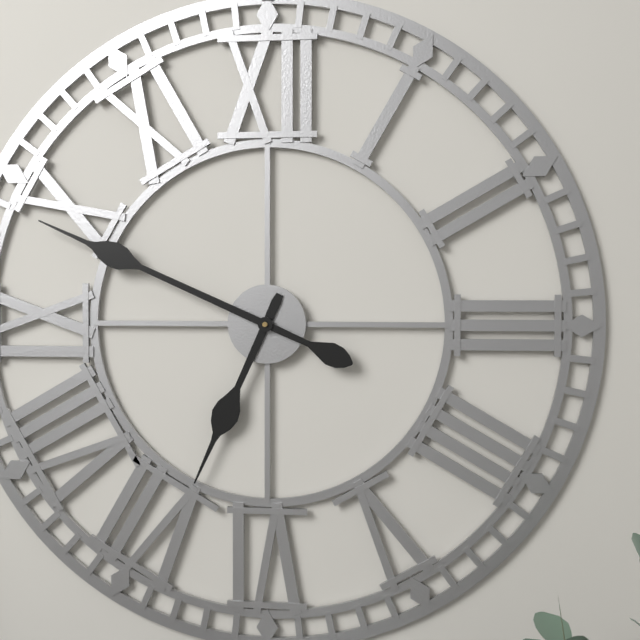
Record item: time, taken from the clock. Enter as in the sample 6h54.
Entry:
6h49
